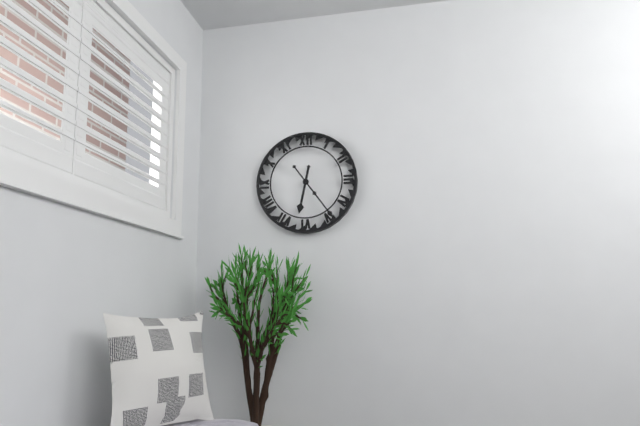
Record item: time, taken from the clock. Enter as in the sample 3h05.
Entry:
6h24
